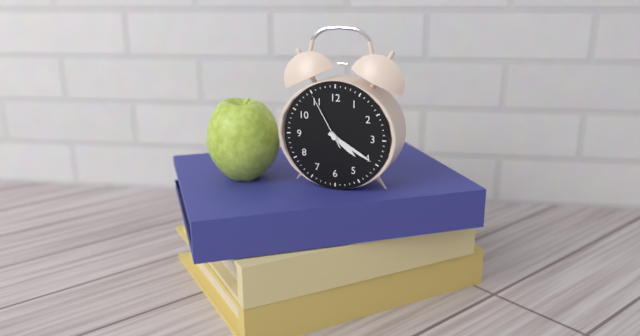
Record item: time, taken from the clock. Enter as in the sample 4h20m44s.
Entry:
4h20m55s
